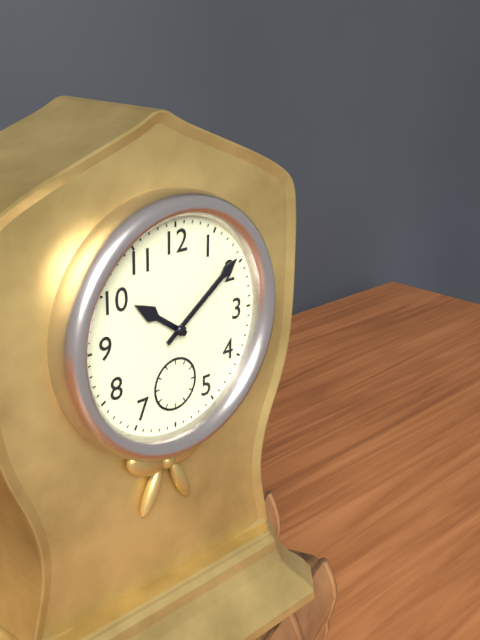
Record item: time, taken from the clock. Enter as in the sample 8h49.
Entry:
10h09
